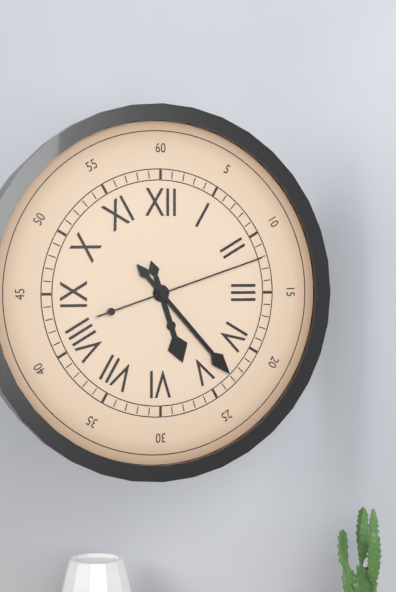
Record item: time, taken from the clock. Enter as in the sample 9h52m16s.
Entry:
5h23m12s
